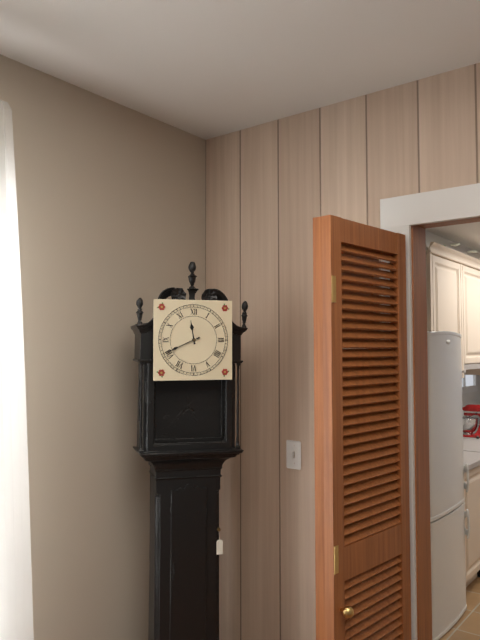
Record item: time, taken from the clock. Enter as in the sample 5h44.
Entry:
11h41
